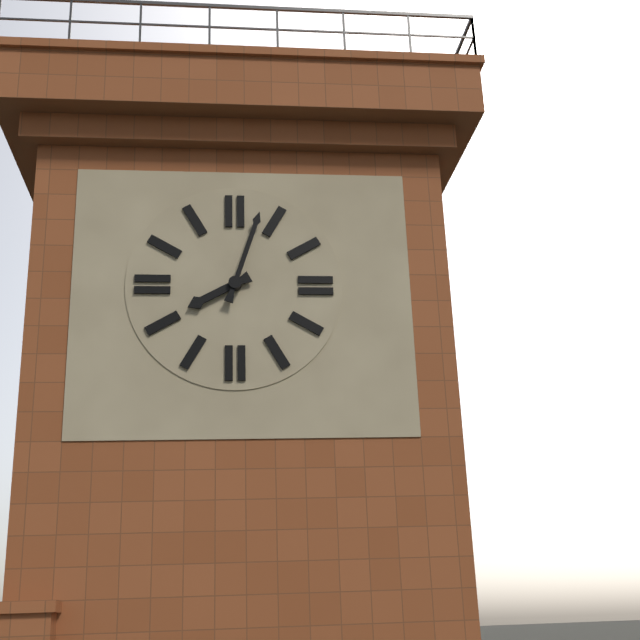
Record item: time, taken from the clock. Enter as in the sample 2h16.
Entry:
8h03
